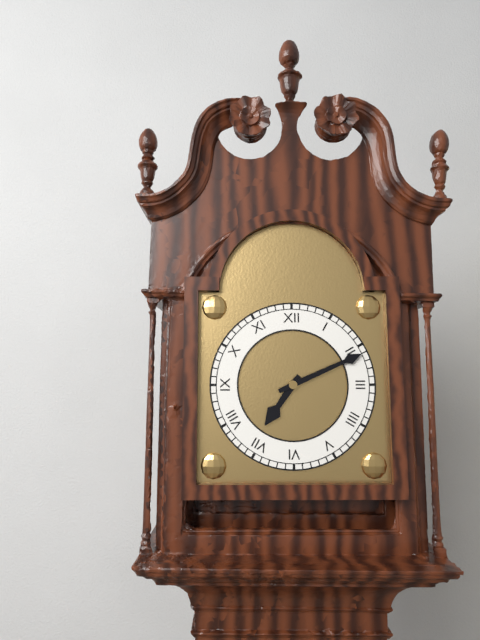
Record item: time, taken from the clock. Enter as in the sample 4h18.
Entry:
7h11
